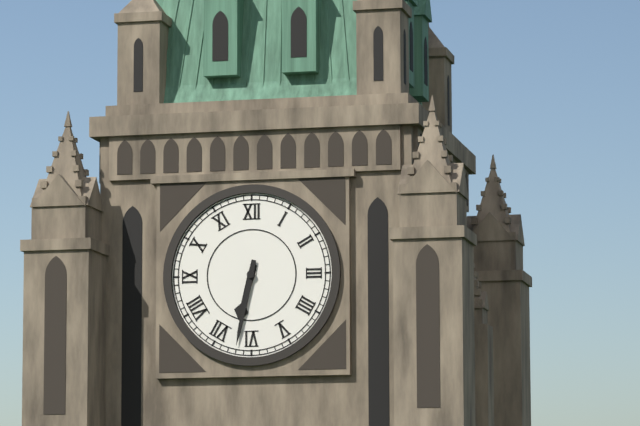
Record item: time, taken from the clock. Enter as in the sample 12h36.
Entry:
6h32
